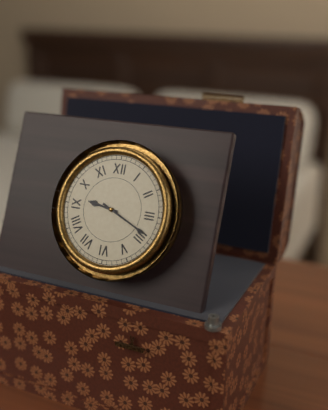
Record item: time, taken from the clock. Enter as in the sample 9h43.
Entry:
9h19
